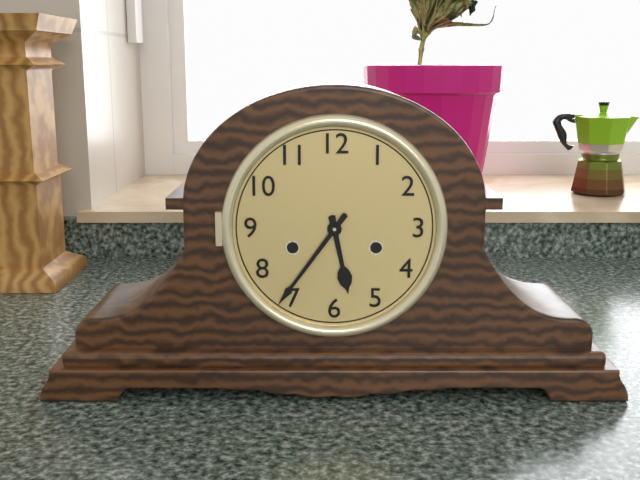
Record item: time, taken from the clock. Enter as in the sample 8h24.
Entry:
5h36
